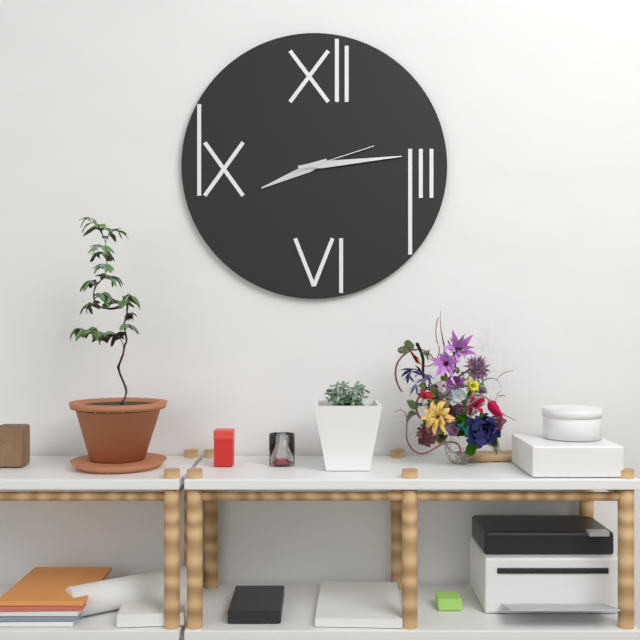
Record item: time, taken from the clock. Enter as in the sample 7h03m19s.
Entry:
8h14m12s
